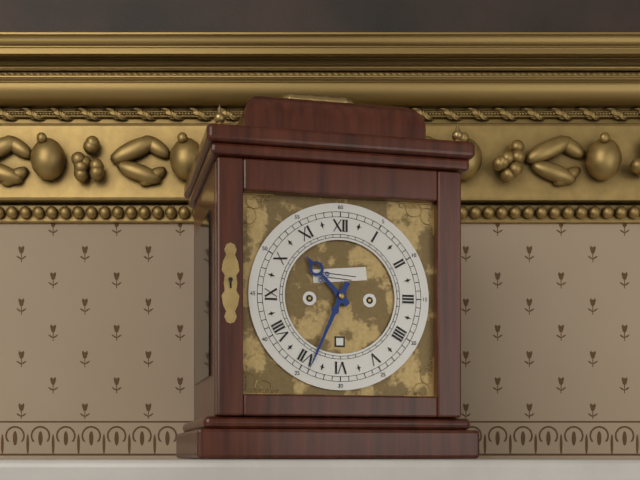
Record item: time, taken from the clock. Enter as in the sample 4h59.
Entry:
10h34
